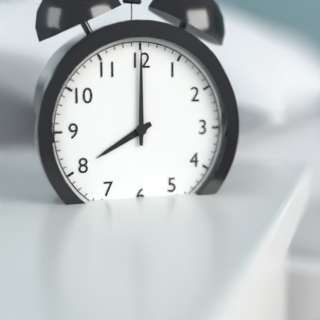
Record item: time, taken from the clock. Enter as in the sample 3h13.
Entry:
8h00
